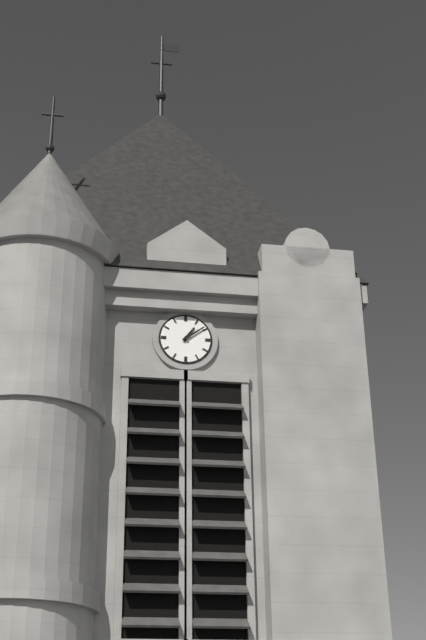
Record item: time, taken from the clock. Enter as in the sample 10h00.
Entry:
1h09
